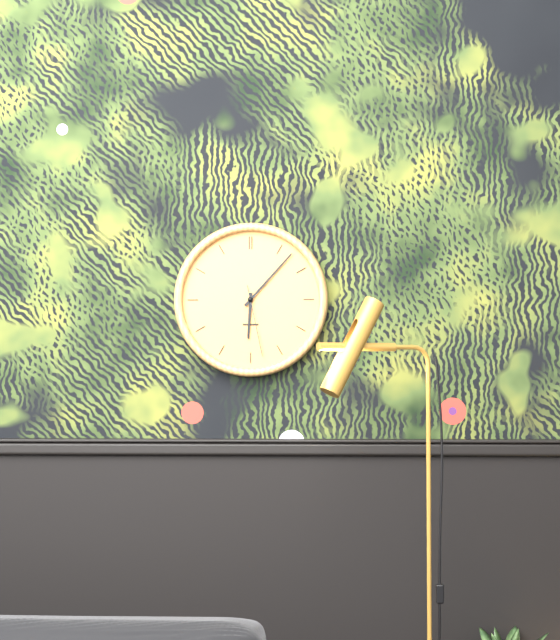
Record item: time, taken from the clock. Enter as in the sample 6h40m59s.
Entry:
6h07m28s
